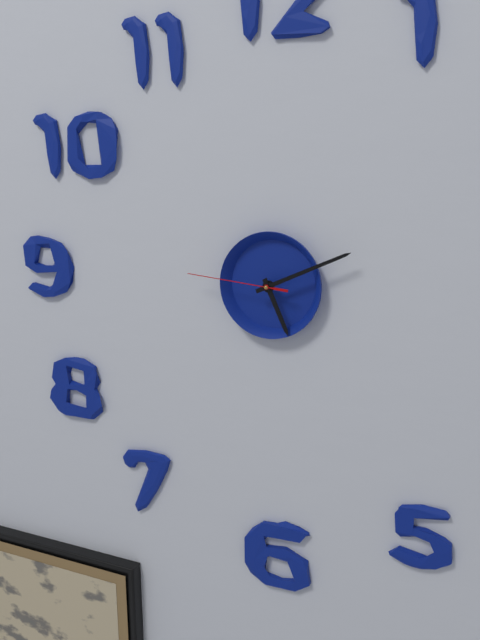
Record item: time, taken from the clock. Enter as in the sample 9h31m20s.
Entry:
5h11m46s
